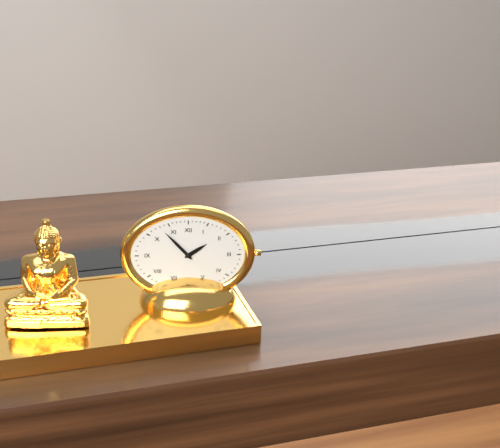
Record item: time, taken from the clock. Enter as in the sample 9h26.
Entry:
1h53
